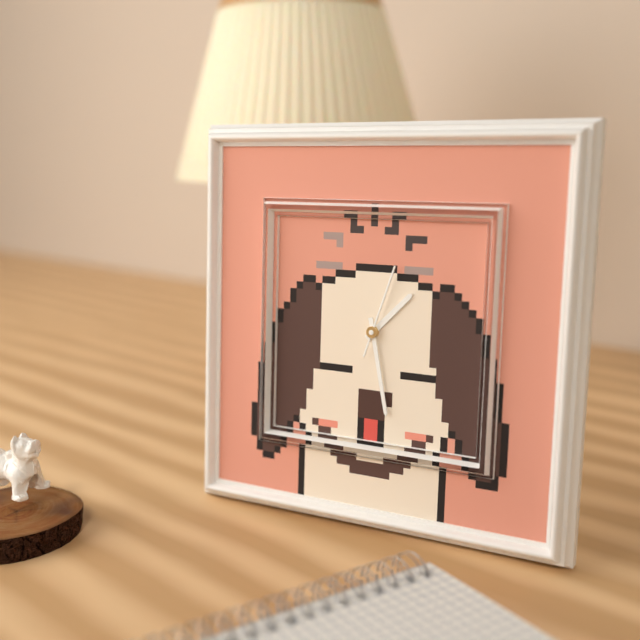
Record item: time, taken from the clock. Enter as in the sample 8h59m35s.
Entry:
1h28m03s
